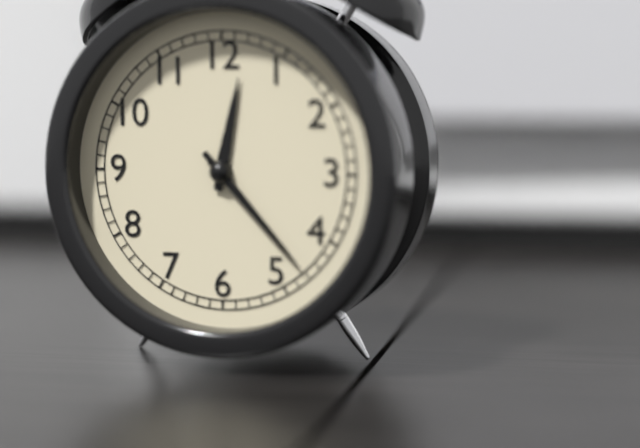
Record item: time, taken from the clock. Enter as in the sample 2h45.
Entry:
12h23
